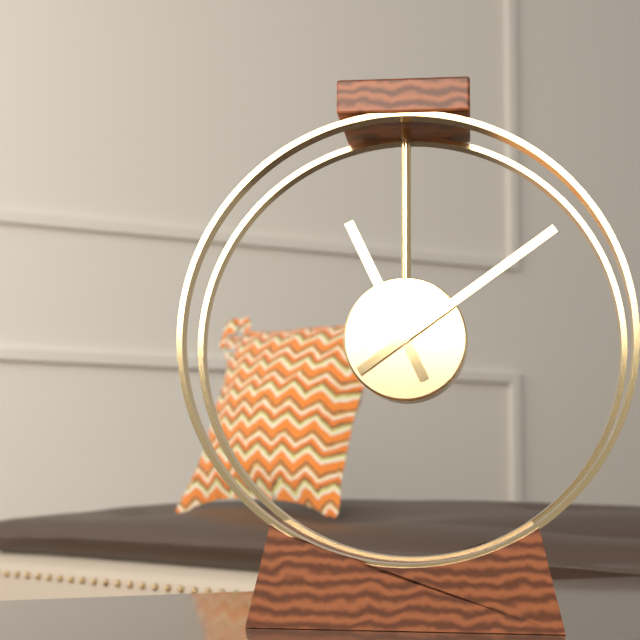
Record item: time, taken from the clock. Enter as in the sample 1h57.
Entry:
11h09
